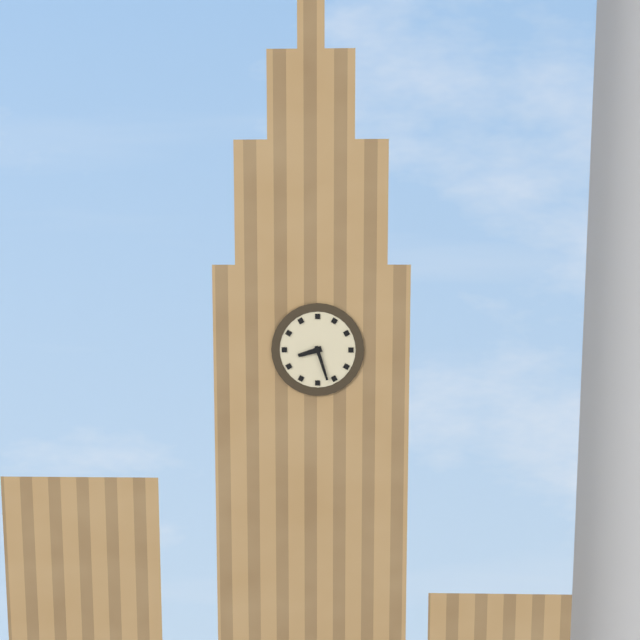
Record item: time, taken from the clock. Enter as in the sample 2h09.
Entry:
8h27
